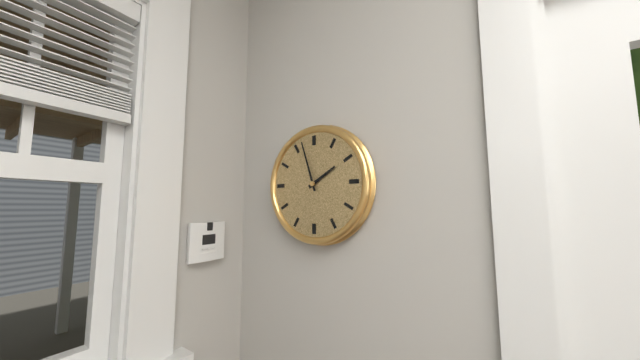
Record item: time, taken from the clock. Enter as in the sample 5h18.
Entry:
1h57
